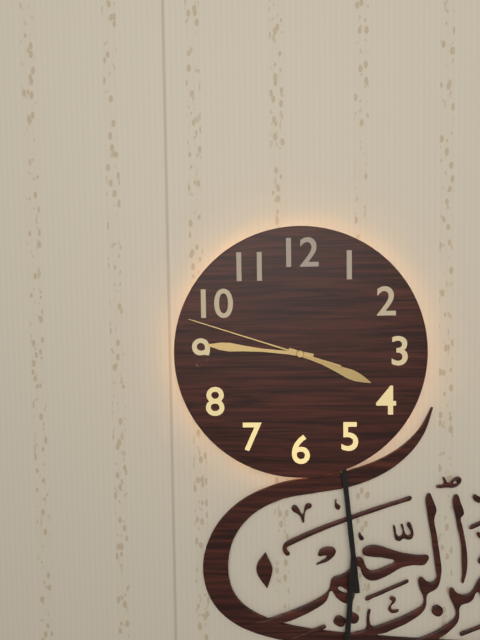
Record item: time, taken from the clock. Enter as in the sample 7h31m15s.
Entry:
3h46m48s
